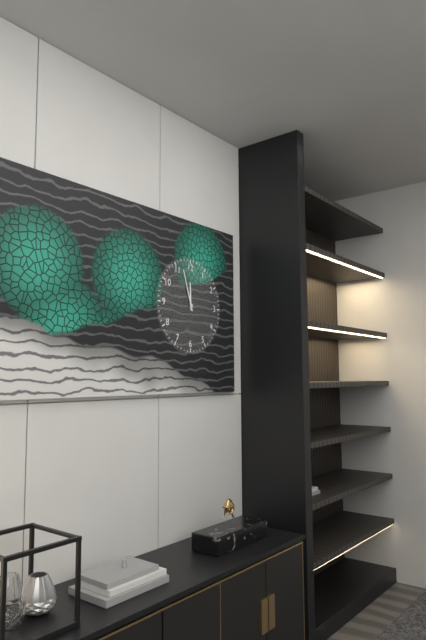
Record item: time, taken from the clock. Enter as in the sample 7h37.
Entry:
11h57
